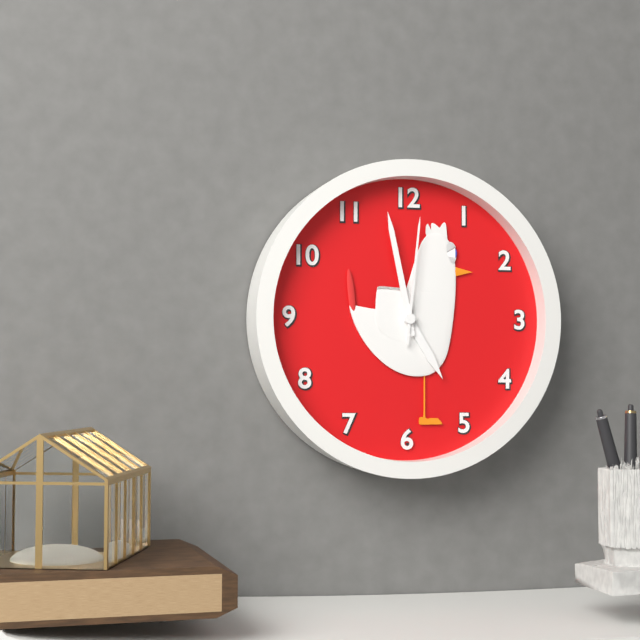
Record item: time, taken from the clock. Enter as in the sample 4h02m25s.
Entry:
4h58m01s
